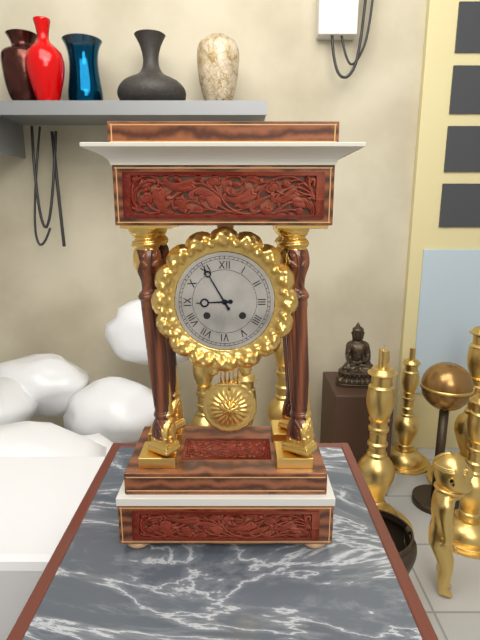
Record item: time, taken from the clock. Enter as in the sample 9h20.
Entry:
8h55
